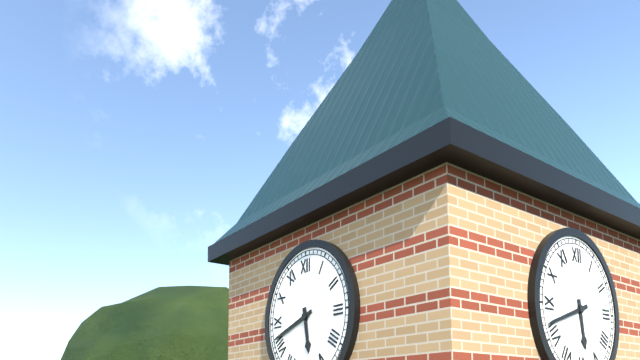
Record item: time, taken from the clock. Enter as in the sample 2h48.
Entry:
5h42
